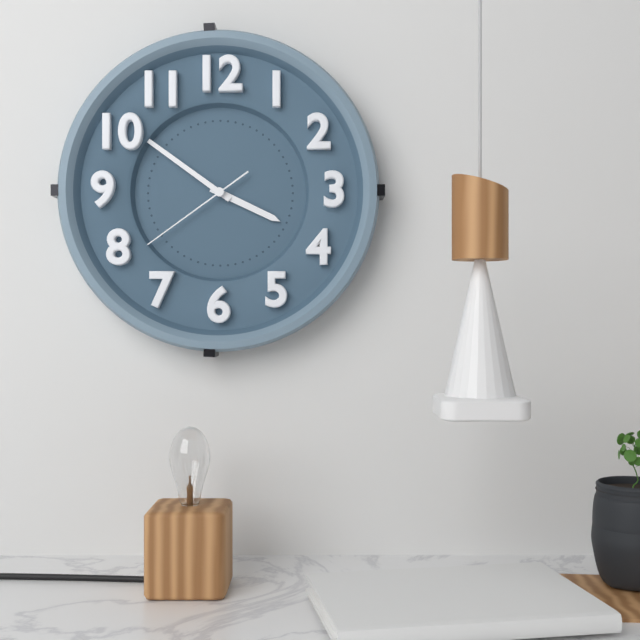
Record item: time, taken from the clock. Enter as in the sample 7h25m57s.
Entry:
3h51m39s
